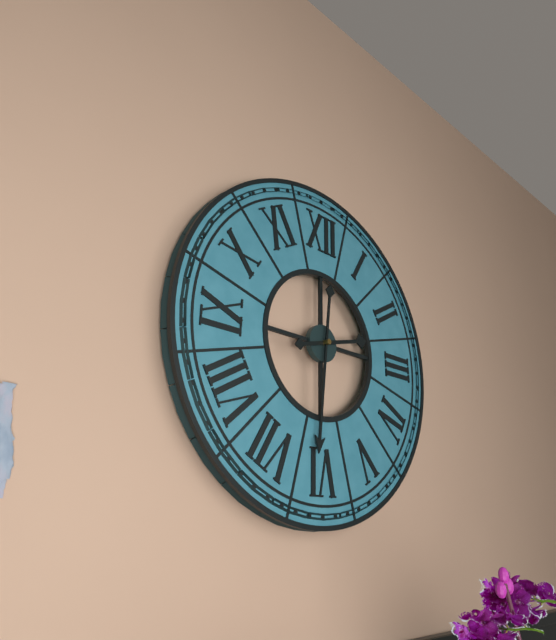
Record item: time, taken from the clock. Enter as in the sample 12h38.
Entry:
2h31
